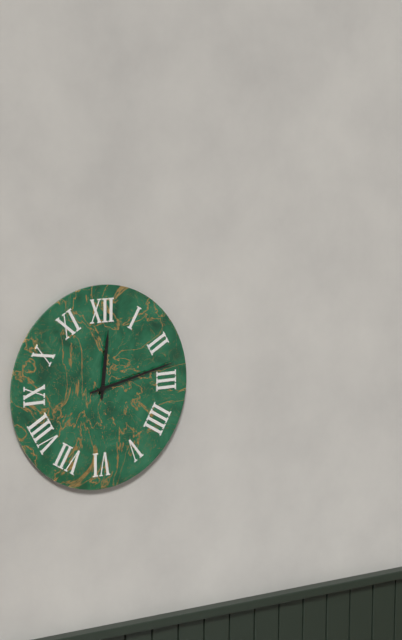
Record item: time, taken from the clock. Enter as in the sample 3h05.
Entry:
12h13
